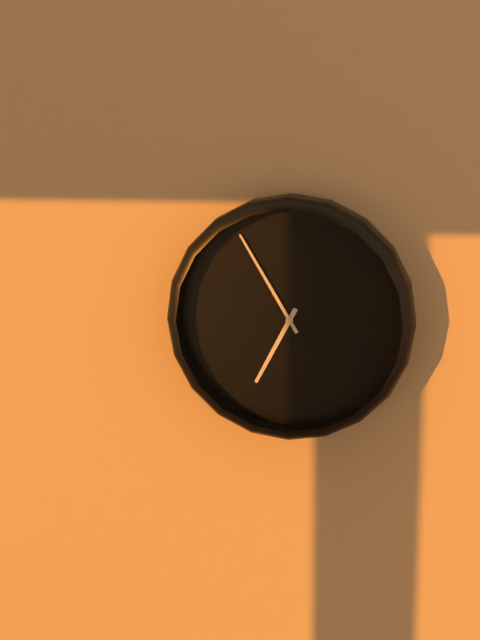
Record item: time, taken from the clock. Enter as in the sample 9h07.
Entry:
6h55
